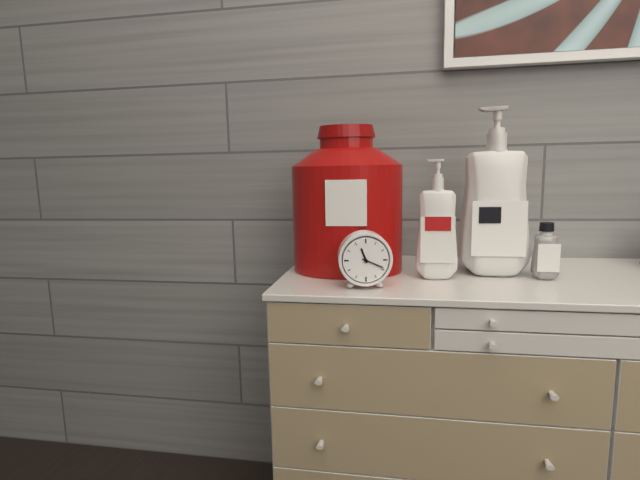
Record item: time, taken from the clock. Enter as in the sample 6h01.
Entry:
11h19
